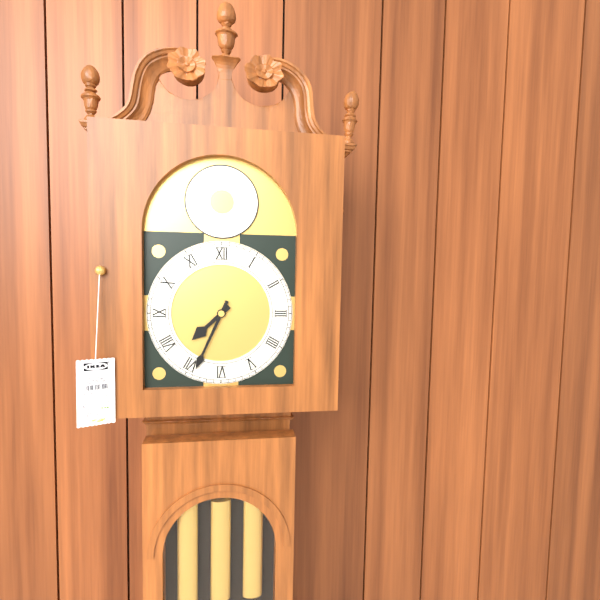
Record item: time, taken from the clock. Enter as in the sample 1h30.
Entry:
7h34
